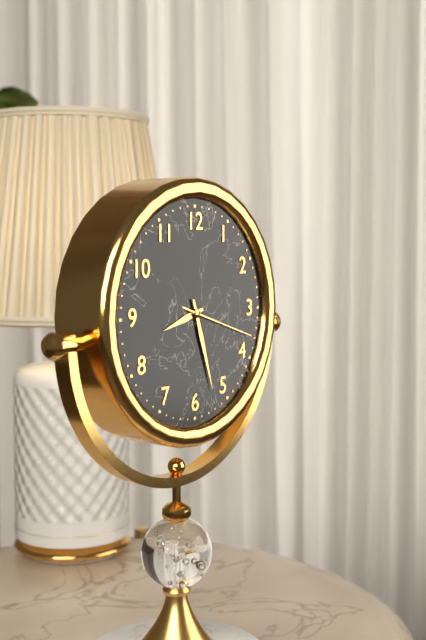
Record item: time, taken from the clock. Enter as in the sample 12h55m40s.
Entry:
8h27m18s
